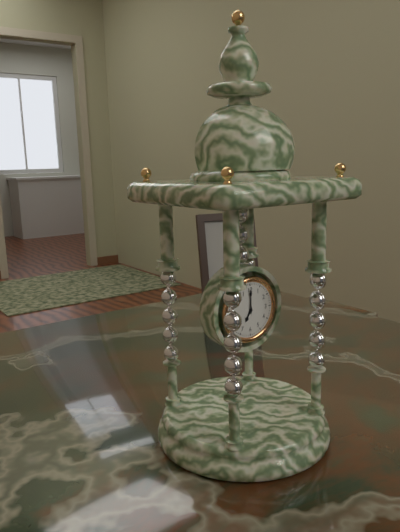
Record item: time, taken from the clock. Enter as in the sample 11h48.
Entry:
7h00
